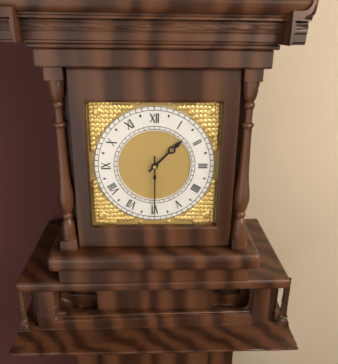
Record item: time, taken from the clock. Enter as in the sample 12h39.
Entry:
1h30
